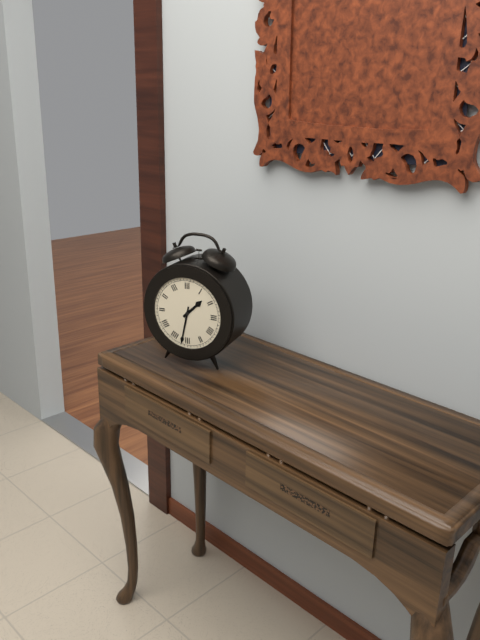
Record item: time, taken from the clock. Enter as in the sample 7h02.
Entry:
1h32
